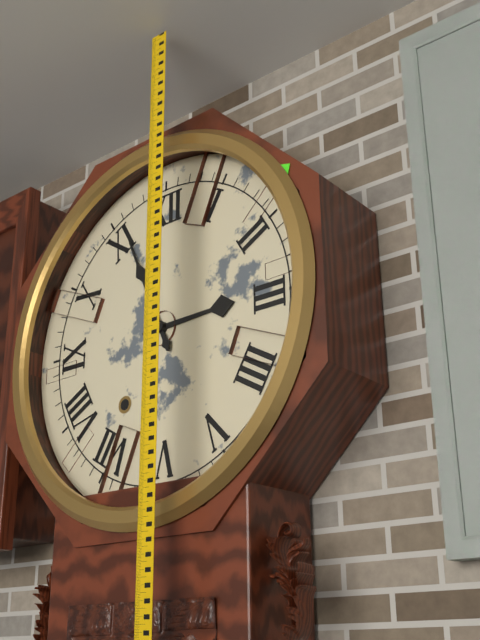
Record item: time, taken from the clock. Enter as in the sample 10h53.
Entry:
2h56
